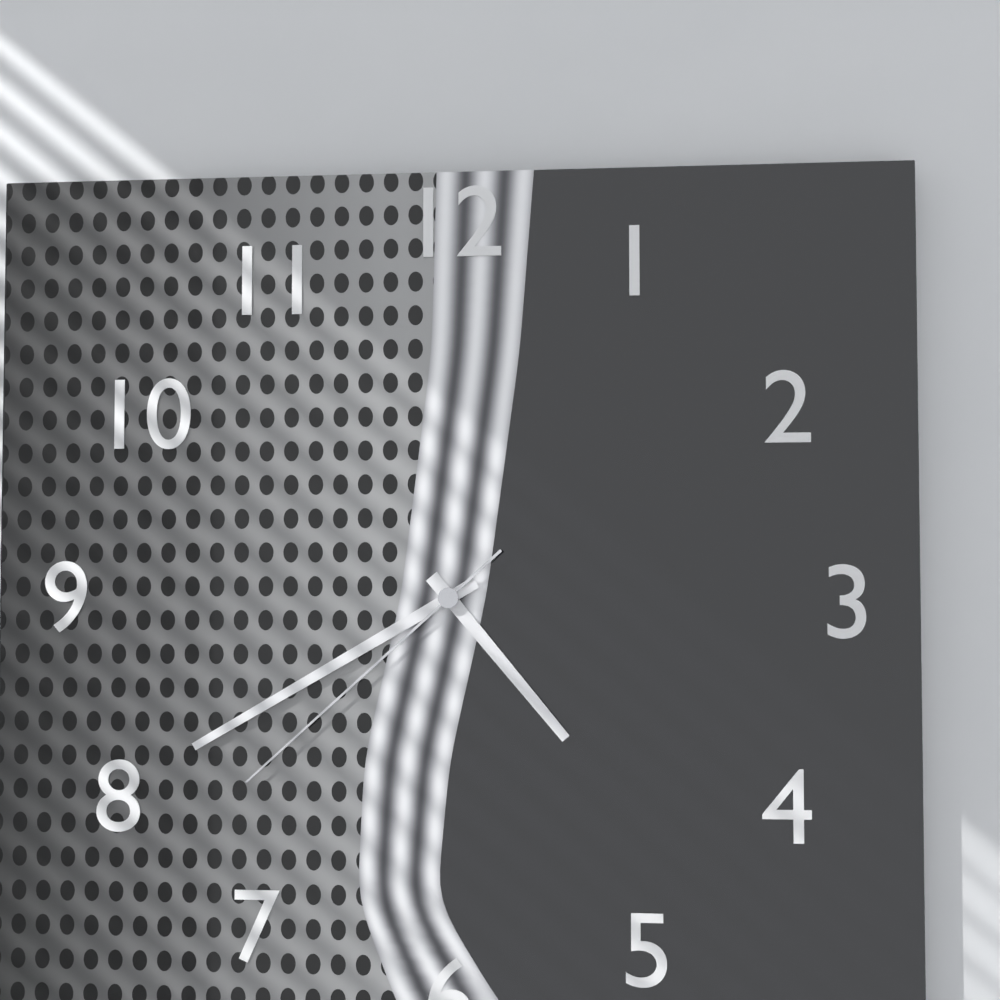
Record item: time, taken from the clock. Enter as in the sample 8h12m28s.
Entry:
4h40m38s
